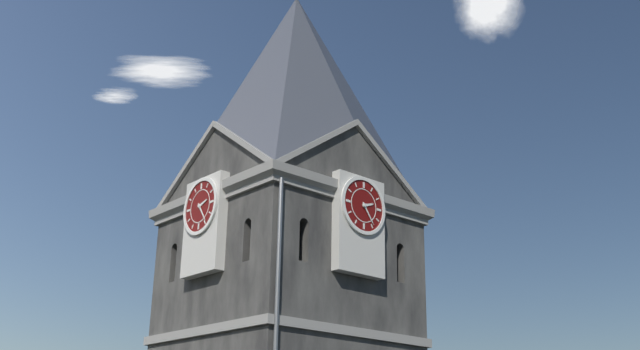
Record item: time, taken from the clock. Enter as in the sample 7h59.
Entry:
2h24
